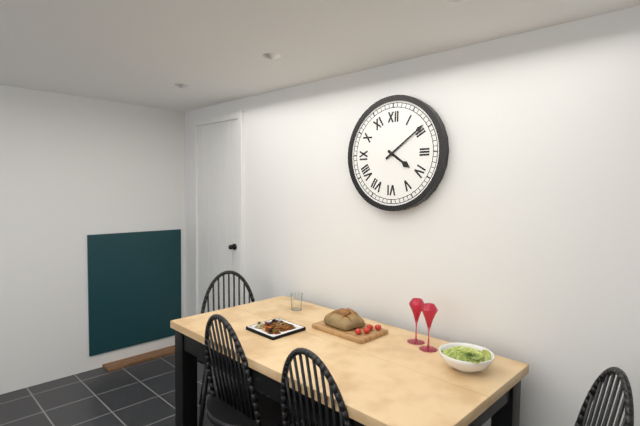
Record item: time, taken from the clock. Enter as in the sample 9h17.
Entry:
4h09
